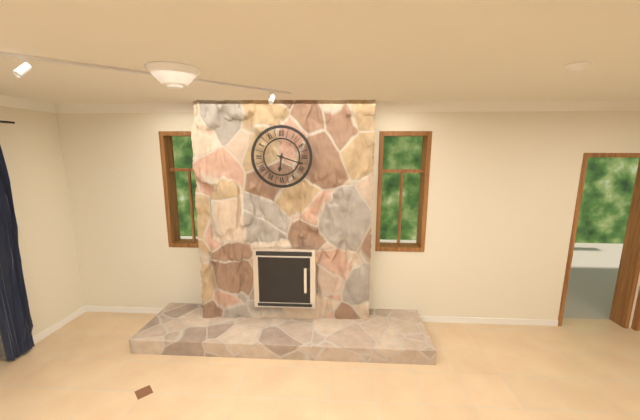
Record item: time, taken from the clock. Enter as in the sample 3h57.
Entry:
6h18
